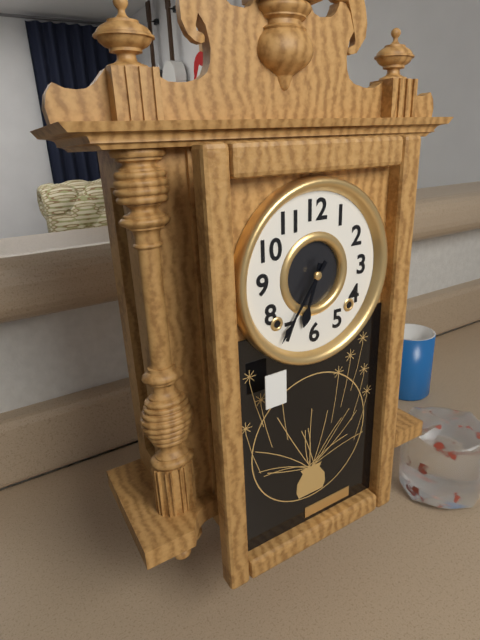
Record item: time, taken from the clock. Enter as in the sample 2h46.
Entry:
6h36
